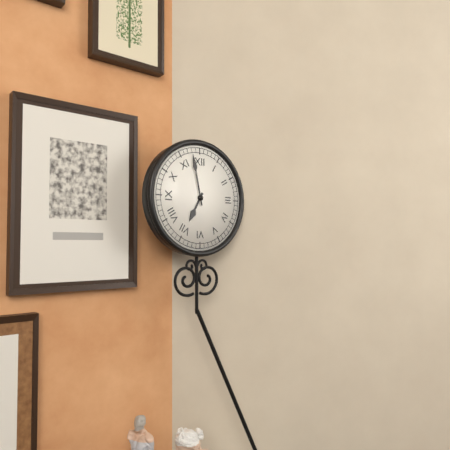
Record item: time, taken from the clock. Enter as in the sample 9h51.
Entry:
6h58
